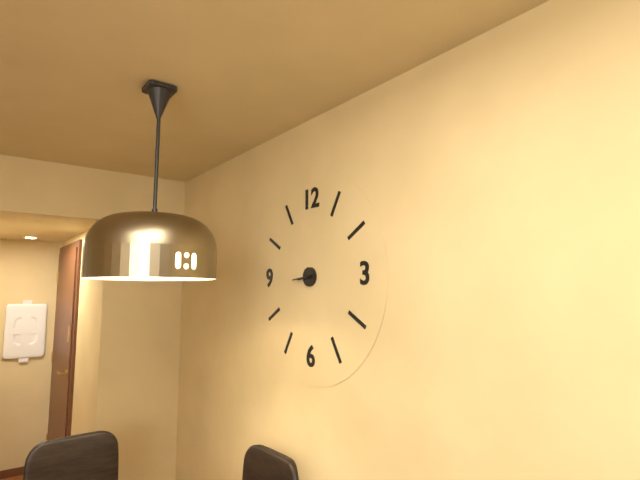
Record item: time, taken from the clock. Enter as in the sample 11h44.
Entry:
8h44
